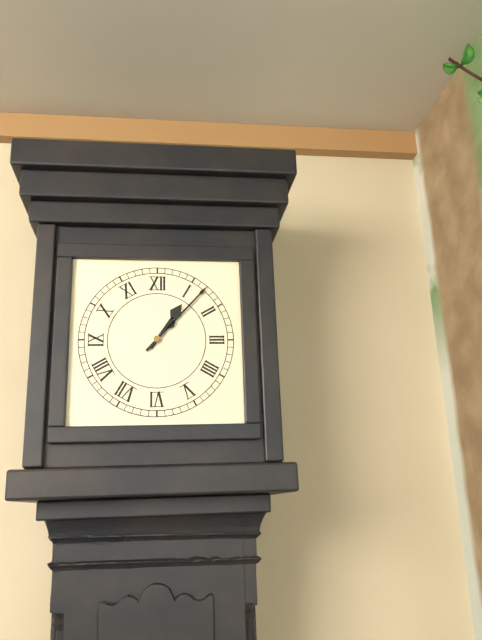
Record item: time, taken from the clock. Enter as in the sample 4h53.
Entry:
1h07
